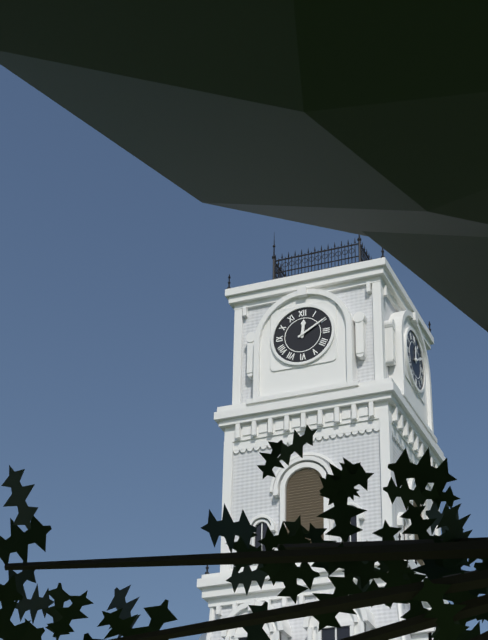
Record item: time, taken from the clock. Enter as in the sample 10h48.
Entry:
12h10
